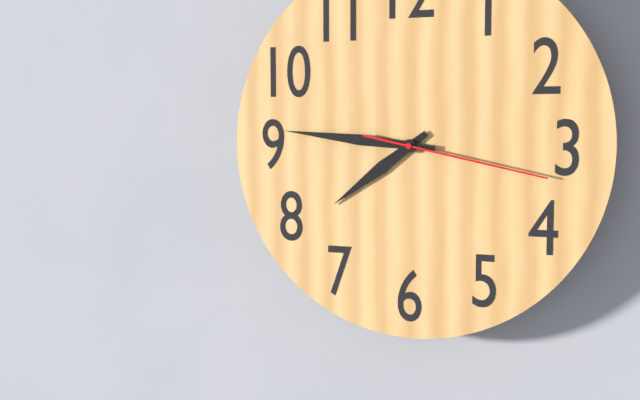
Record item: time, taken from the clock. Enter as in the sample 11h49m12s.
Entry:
7h46m17s
